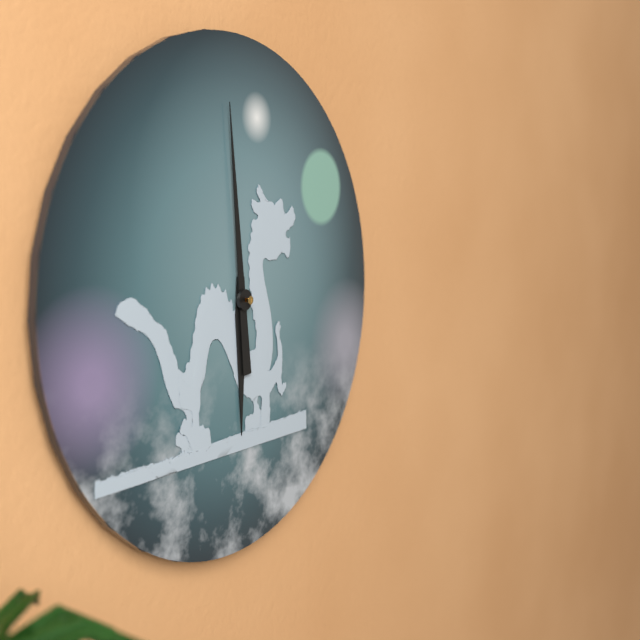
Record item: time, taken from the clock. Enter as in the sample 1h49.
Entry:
5h59
